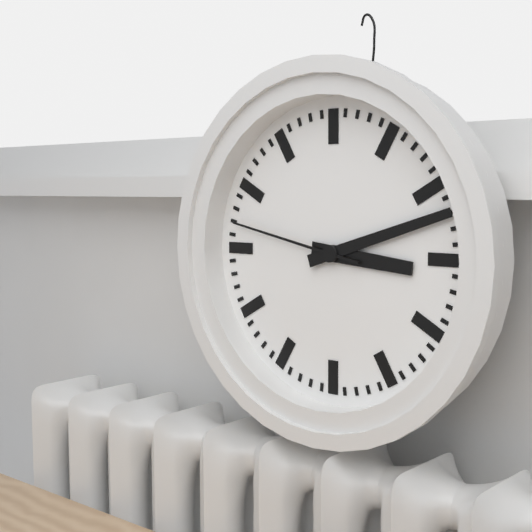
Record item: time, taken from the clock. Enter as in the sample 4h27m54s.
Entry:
3h12m47s
